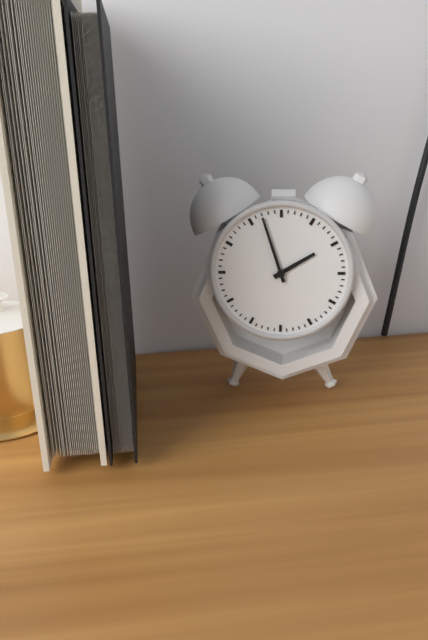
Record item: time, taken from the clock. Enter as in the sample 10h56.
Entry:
1h57
